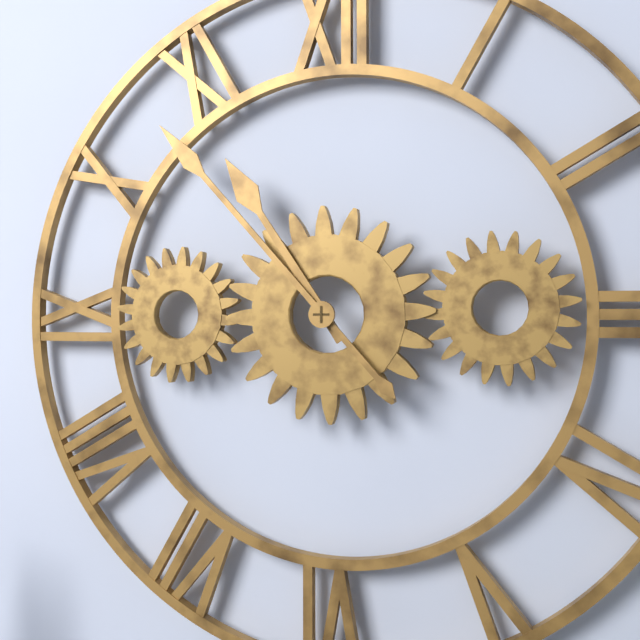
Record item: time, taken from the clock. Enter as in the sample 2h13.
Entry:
10h53
